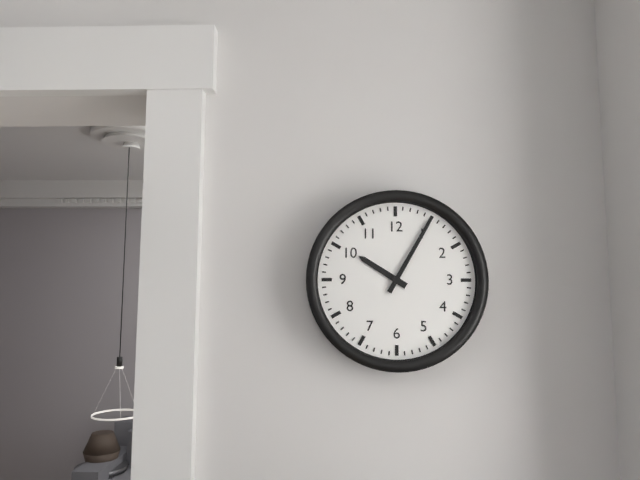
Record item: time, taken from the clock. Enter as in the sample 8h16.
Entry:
10h05
